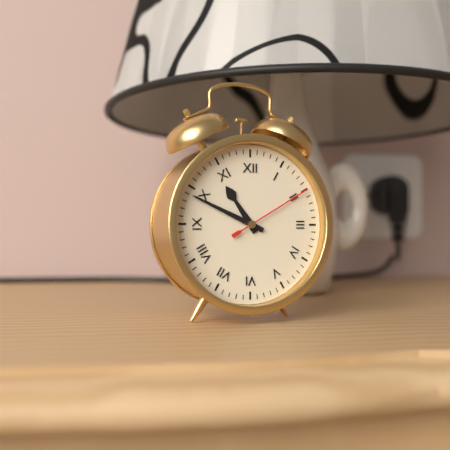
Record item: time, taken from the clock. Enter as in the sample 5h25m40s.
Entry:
10h49m10s
